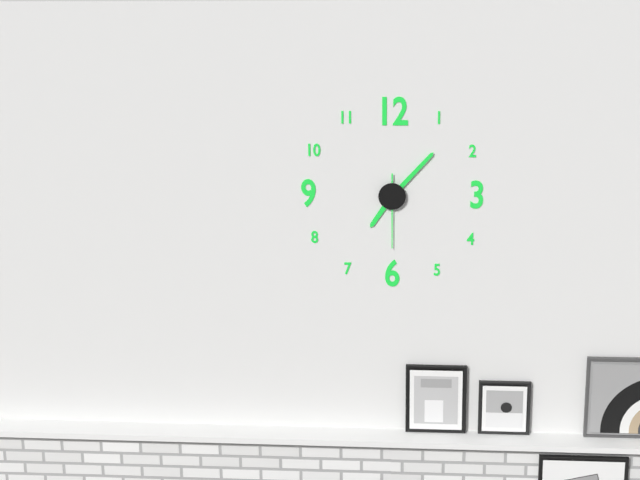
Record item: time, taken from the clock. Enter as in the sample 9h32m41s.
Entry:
7h07m30s
